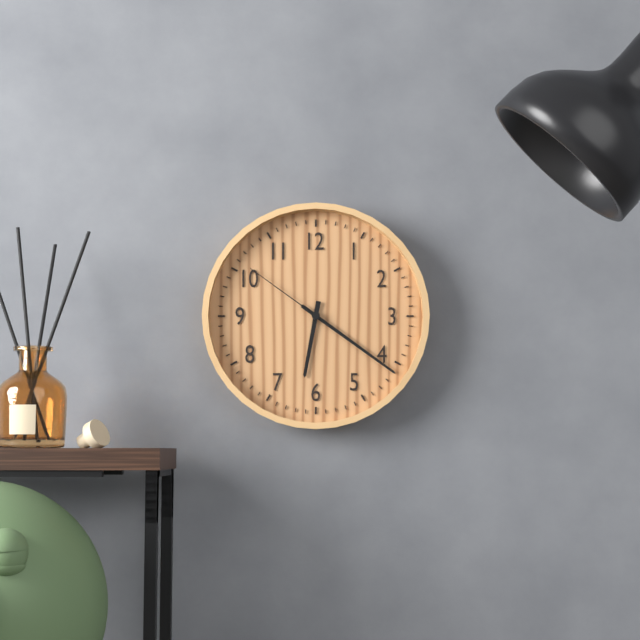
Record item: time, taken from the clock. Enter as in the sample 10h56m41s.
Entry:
6h21m51s
